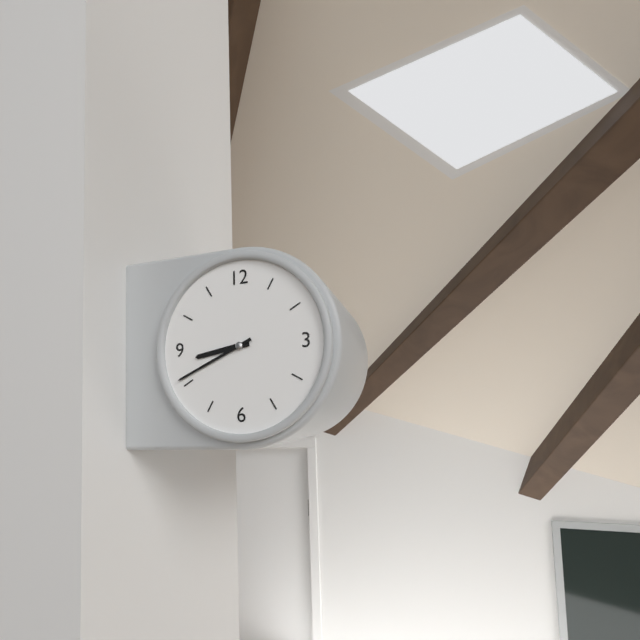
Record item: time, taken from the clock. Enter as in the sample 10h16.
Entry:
8h41
